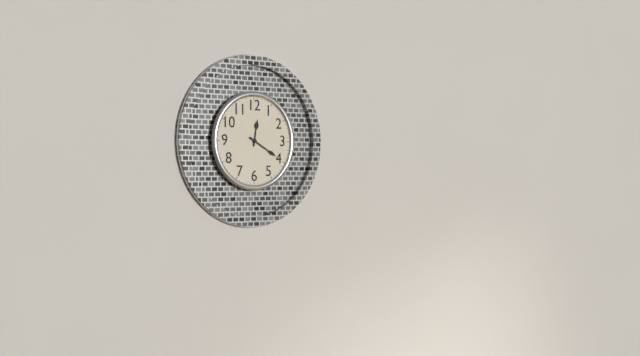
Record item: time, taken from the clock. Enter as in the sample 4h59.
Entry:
12h20
